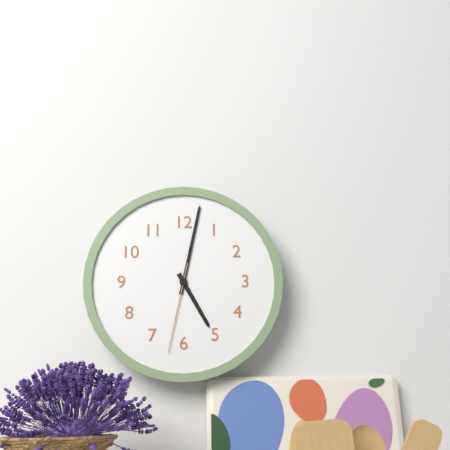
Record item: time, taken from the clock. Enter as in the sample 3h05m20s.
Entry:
5h02m32s
